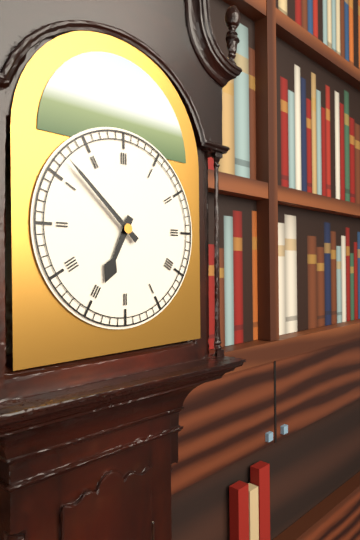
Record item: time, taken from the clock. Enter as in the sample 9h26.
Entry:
6h52
